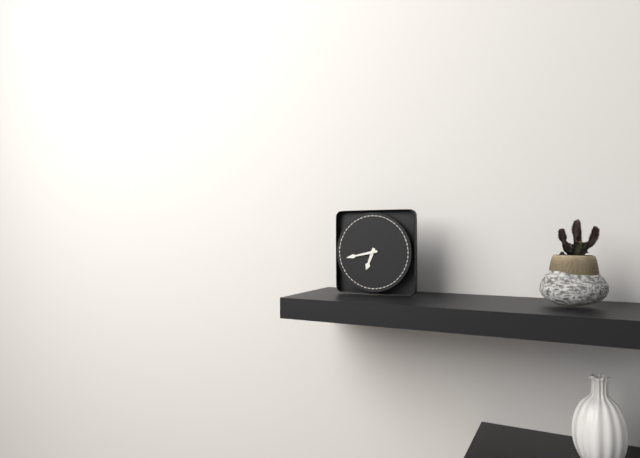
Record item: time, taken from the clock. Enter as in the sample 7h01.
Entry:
6h43
